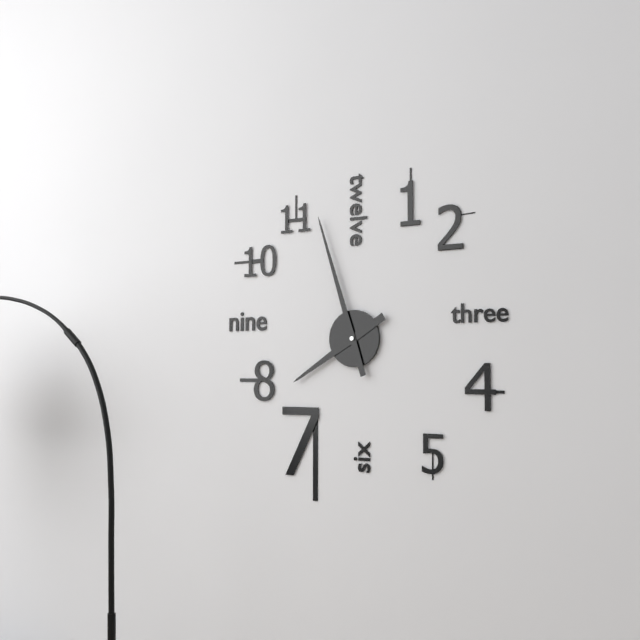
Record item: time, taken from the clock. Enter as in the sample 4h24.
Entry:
7h57
